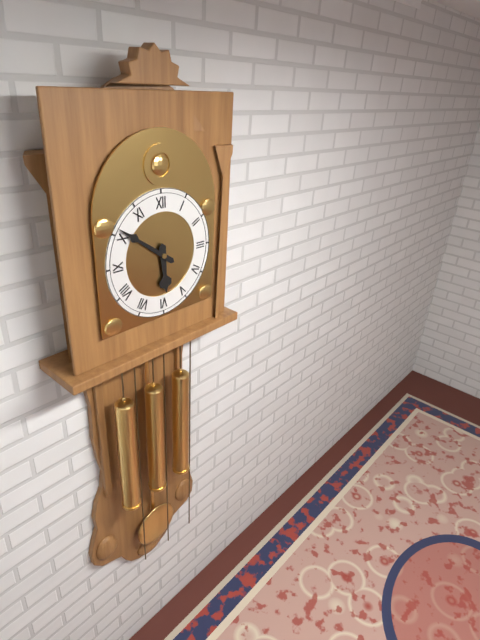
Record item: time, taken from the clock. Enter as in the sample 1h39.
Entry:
5h51
